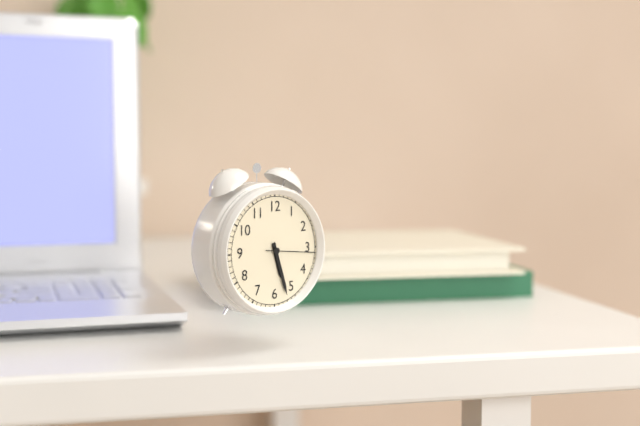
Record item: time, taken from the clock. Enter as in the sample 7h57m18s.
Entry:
5h27m16s
